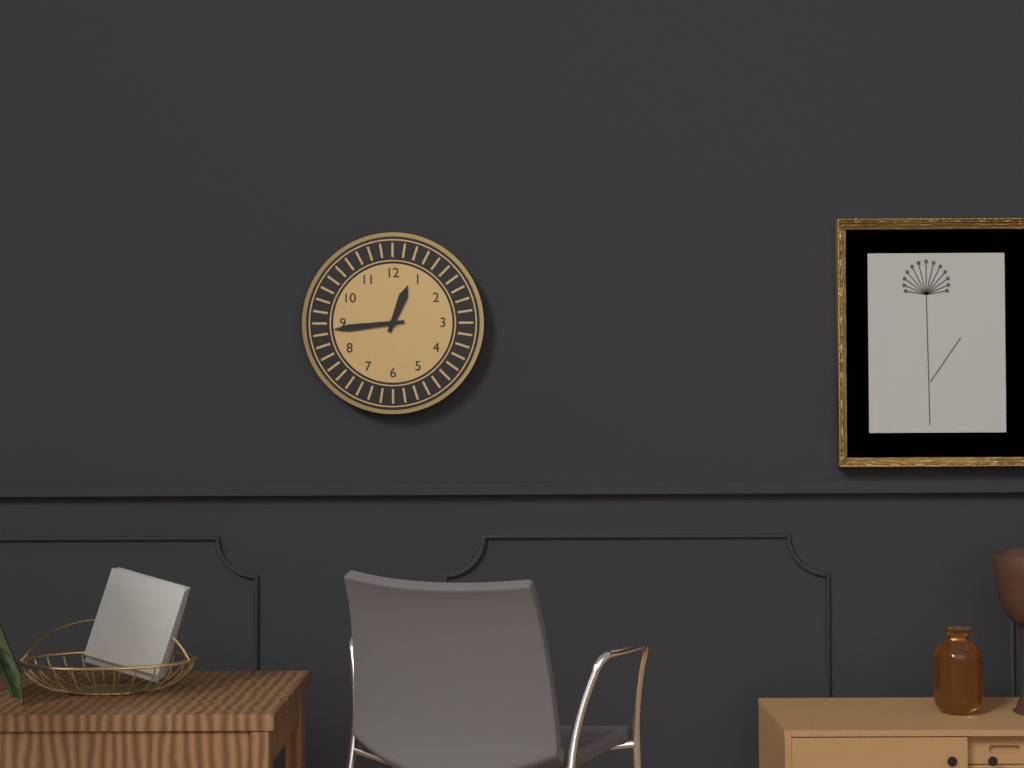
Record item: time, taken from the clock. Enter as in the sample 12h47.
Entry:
12h44
